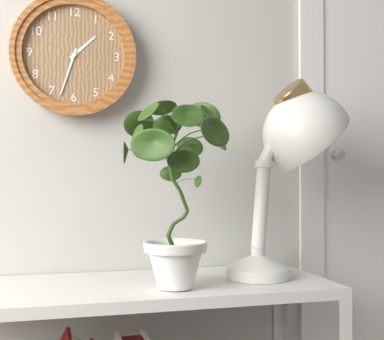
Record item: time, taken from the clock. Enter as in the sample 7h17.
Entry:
1h33
